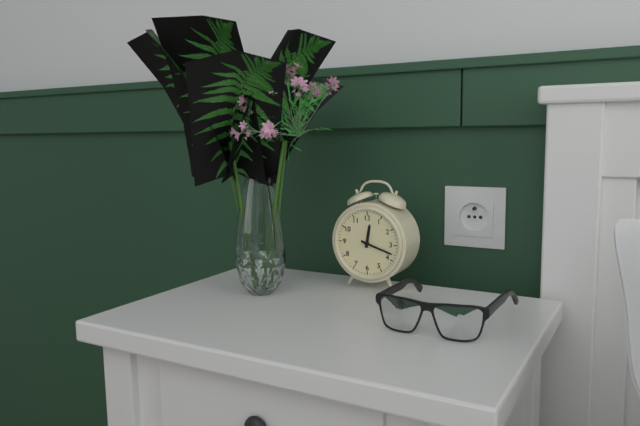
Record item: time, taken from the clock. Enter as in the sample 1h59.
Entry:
12h18
